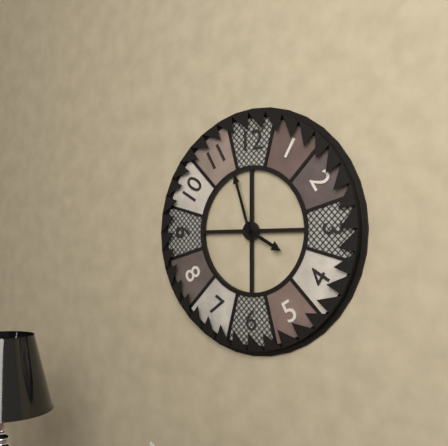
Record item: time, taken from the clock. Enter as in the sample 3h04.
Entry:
3h57
